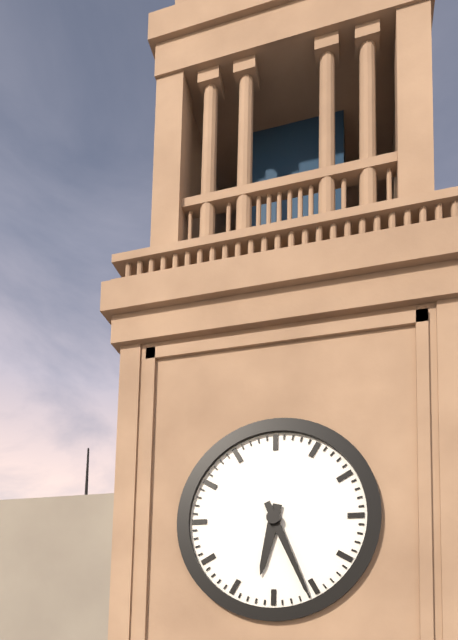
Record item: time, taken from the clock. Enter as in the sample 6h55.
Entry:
6h26
